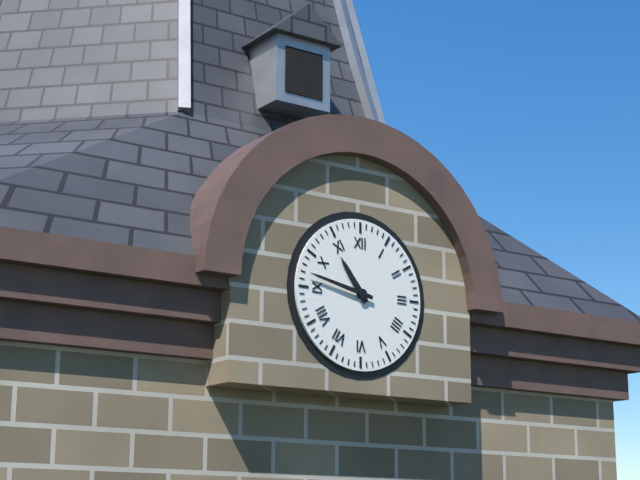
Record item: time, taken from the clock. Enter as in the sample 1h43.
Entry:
10h47
